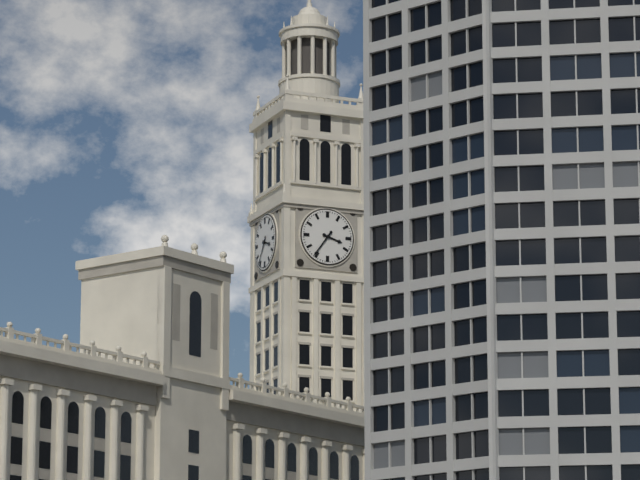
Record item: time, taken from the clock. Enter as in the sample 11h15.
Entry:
3h36
